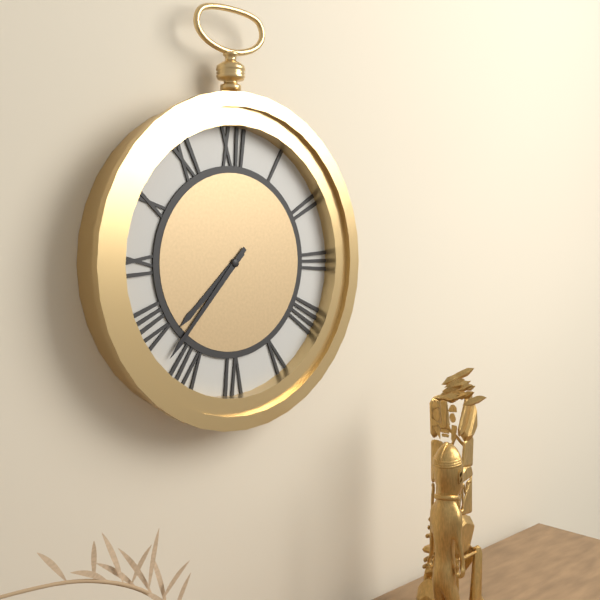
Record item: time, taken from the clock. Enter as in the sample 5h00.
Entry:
7h37
